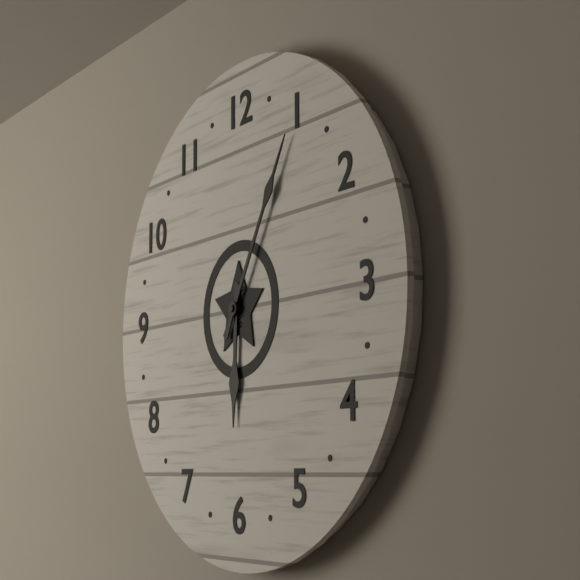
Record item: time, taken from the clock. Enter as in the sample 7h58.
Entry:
6h05
